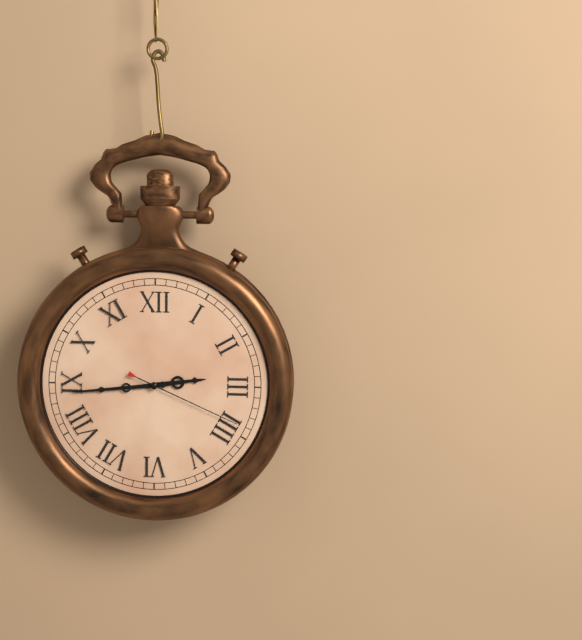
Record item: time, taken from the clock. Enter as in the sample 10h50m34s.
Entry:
2h44m19s
